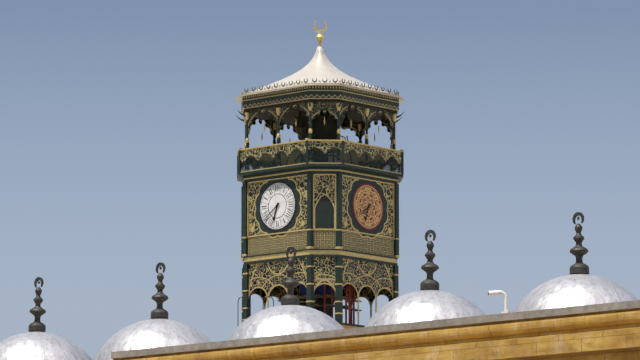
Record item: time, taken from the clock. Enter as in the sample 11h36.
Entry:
6h39
